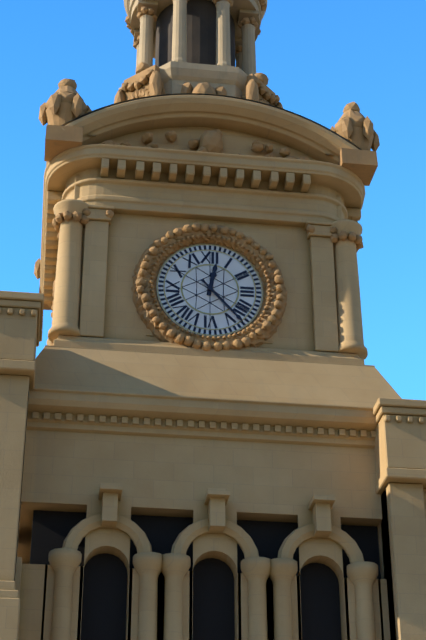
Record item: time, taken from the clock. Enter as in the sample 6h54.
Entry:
12h23
